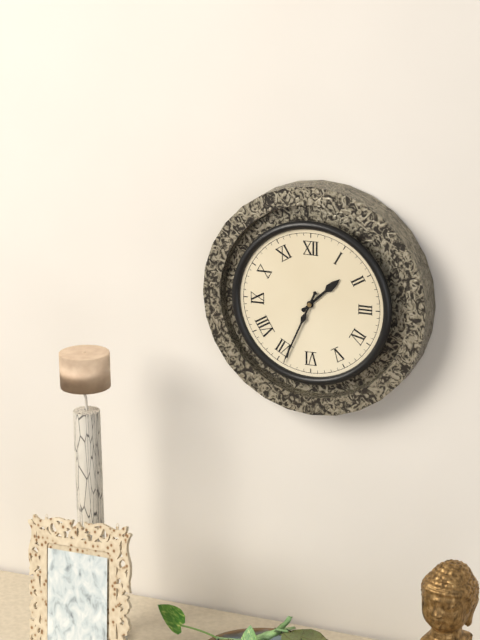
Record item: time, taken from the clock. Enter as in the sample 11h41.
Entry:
1h34
